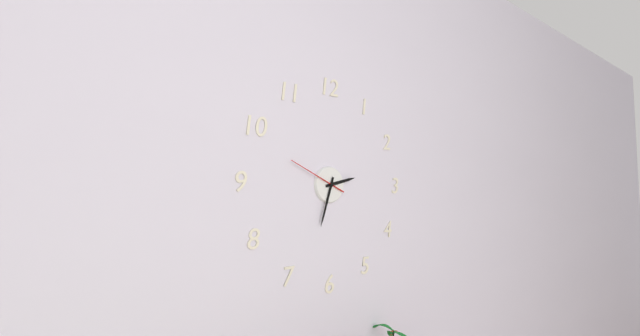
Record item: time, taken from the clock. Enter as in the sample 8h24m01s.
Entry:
2h33m49s
